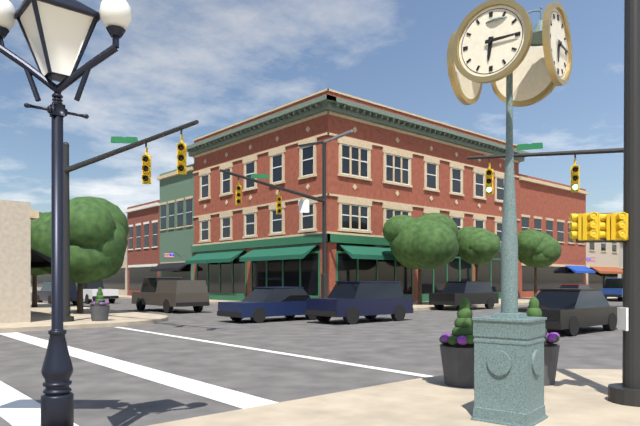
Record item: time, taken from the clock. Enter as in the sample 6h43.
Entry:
6h15
